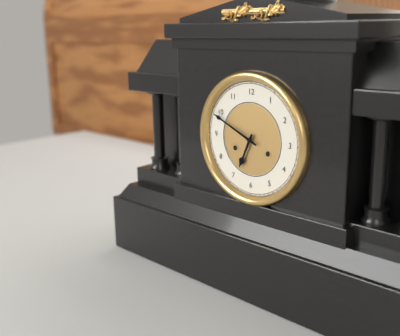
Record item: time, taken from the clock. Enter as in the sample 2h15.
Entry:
6h49
